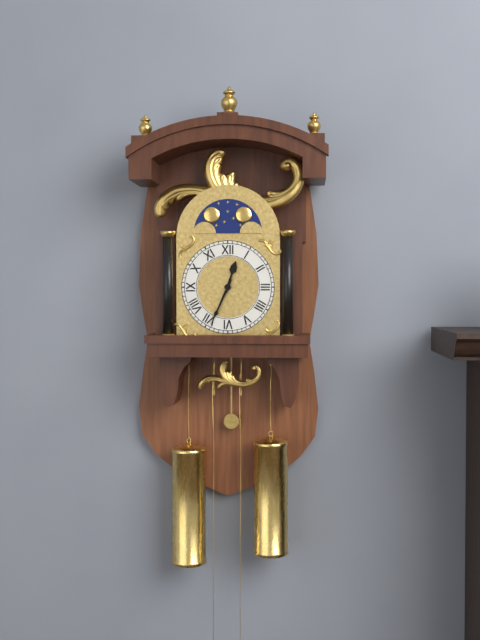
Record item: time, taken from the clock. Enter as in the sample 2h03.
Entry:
12h34
